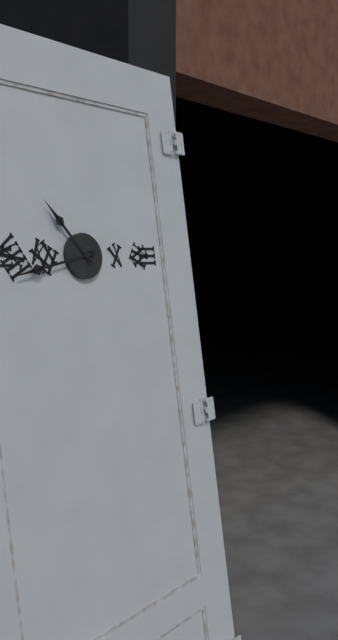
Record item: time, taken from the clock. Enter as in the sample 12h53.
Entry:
10h43
